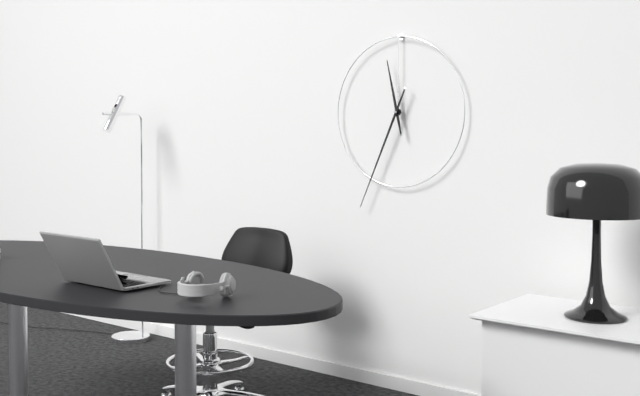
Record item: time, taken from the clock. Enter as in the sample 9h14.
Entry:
11h34
